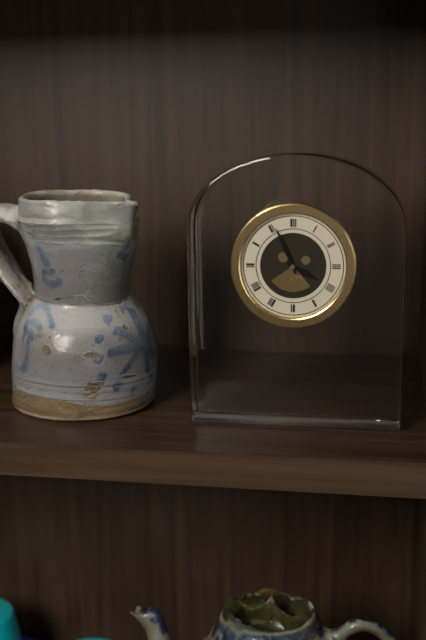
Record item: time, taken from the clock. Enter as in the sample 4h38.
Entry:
3h56
